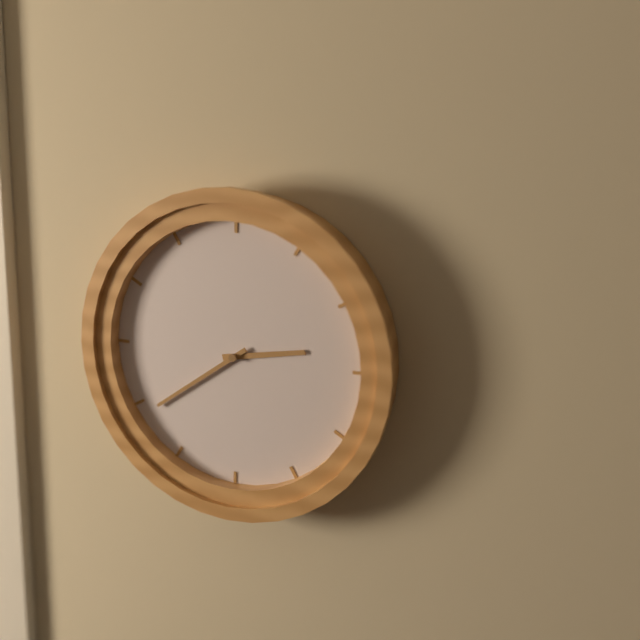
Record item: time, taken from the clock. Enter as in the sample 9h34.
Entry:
2h39
